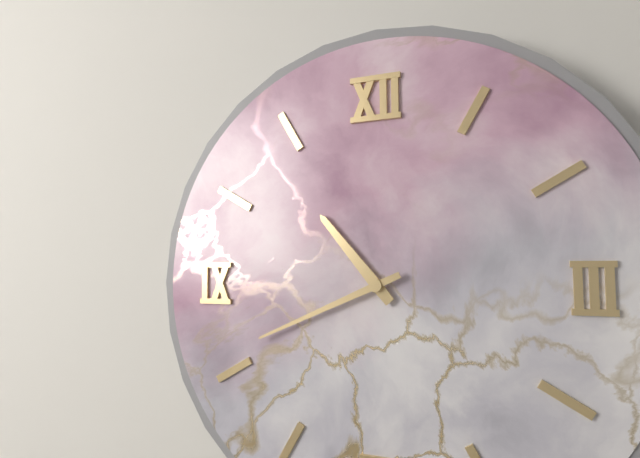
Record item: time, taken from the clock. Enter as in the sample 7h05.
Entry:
10h41
